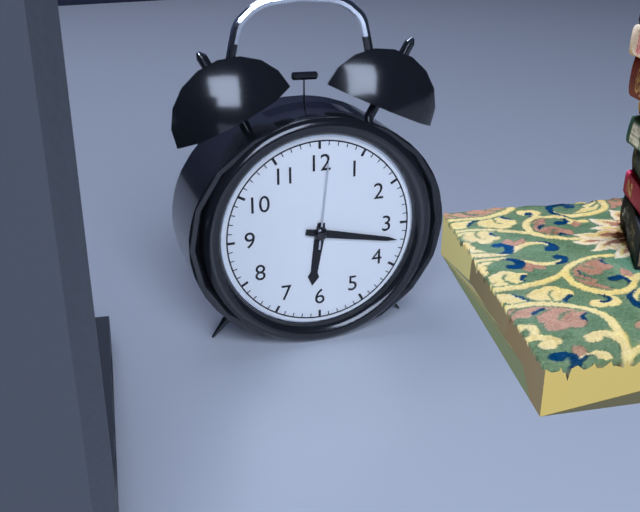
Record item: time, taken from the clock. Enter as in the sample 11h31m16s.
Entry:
6h17m01s
